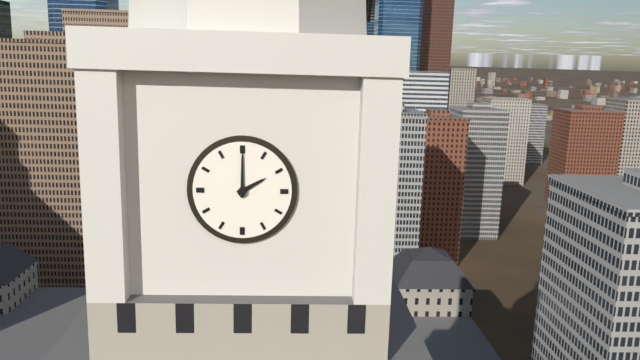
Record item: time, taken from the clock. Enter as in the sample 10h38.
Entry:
2h00
